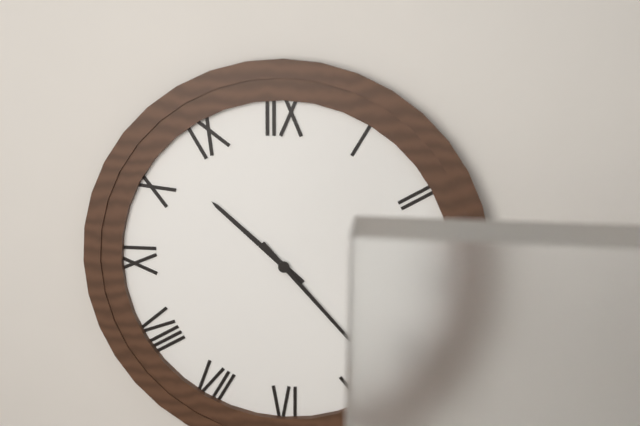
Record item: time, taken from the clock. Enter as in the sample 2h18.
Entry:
10h23
